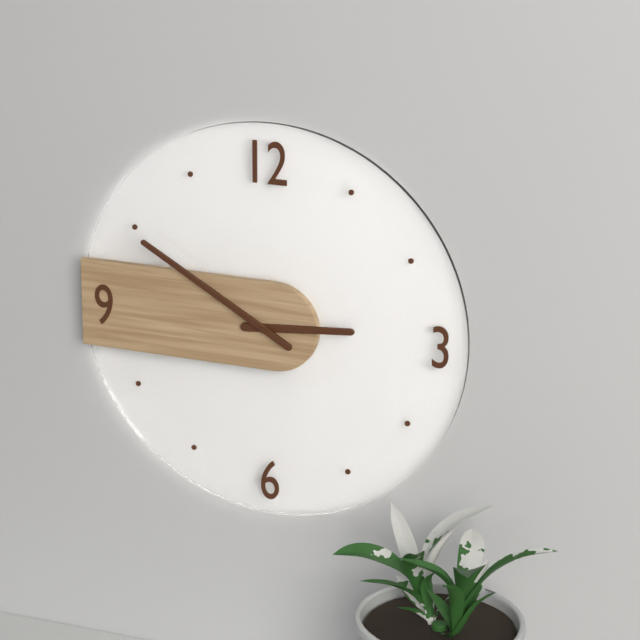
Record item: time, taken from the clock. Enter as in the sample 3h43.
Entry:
2h50
